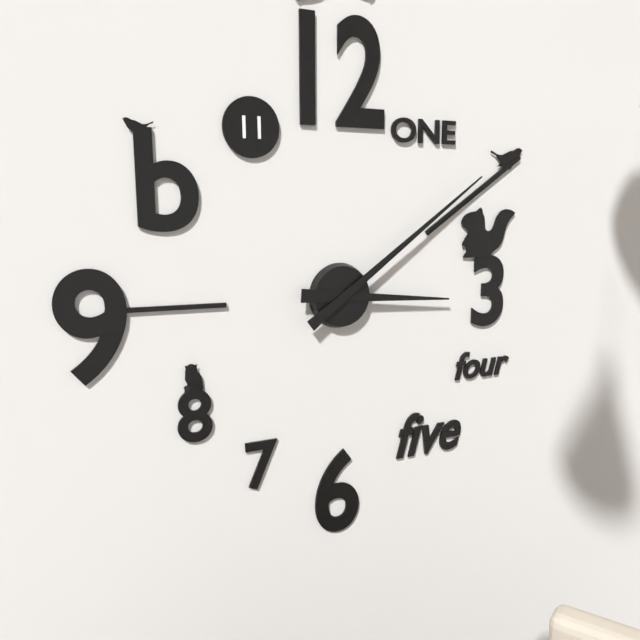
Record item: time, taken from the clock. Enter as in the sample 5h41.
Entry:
3h09
